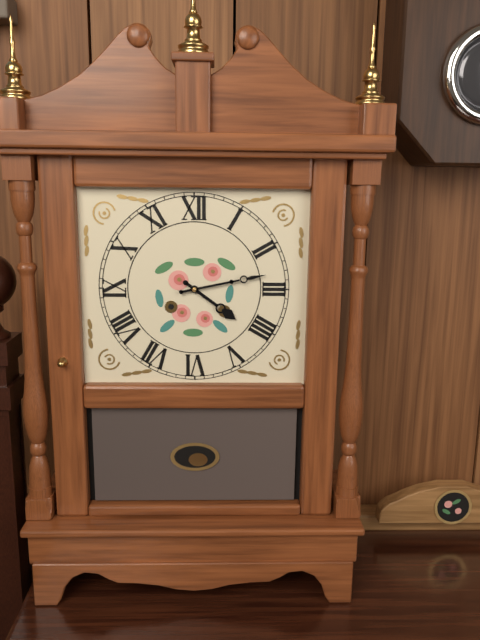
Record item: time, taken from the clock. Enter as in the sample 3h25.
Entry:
4h13
